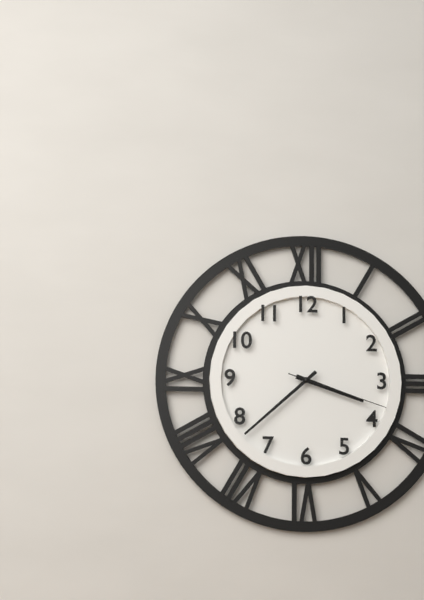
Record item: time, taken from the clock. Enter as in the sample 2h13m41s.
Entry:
3h38m18s
